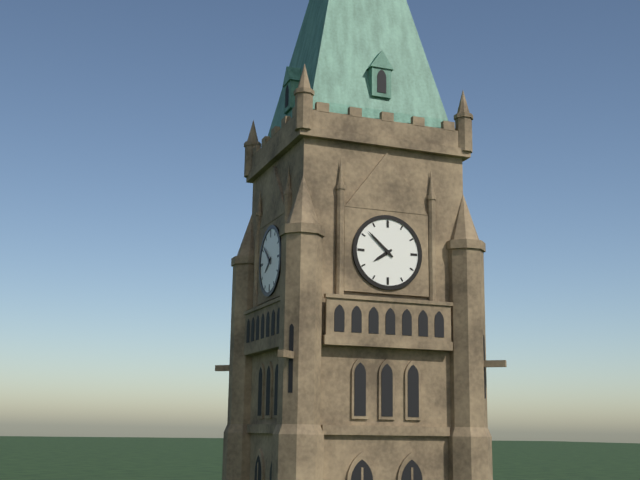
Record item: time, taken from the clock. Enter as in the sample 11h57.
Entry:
7h52
